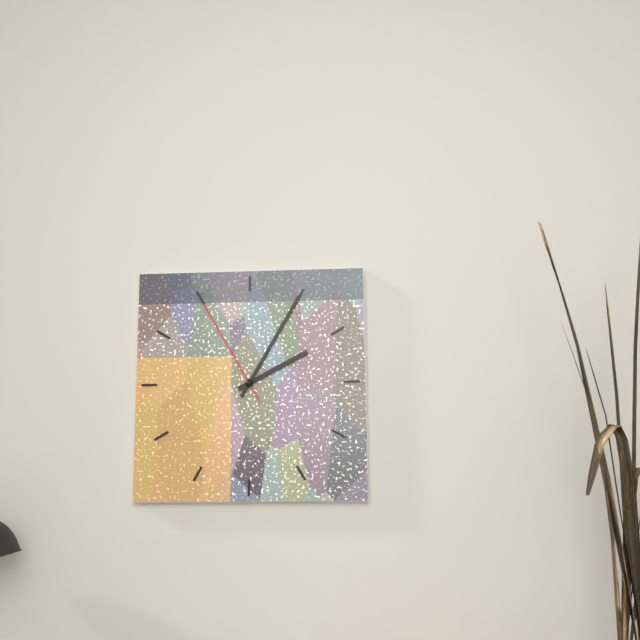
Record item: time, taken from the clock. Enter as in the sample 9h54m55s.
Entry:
2h05m55s
